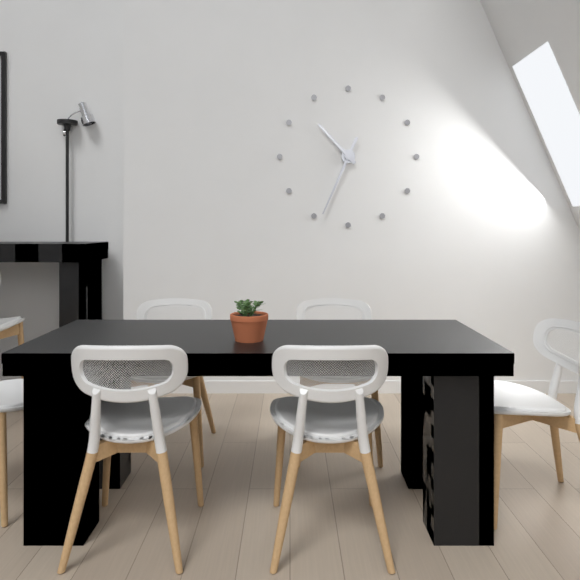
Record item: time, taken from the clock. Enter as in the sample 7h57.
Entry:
10h34
